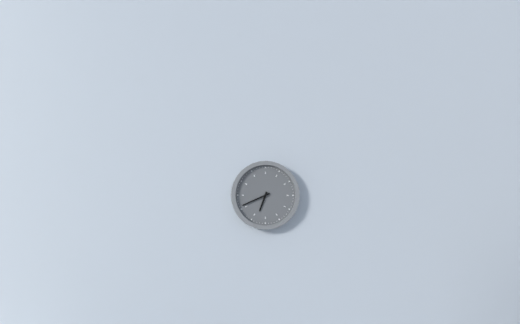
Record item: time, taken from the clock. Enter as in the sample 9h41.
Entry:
6h41
